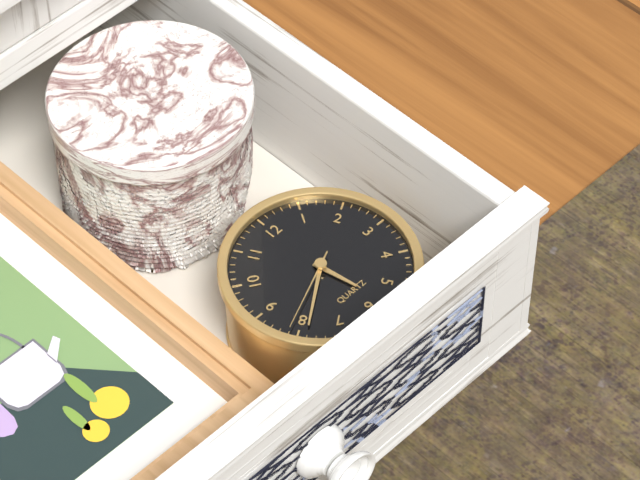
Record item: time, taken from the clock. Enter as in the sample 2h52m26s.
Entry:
5h39m41s
